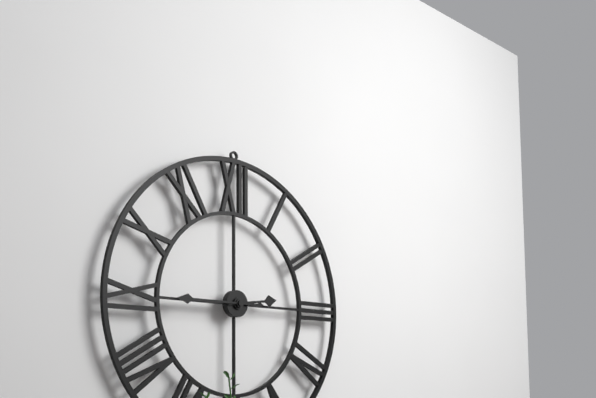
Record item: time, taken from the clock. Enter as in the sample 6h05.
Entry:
2h45
